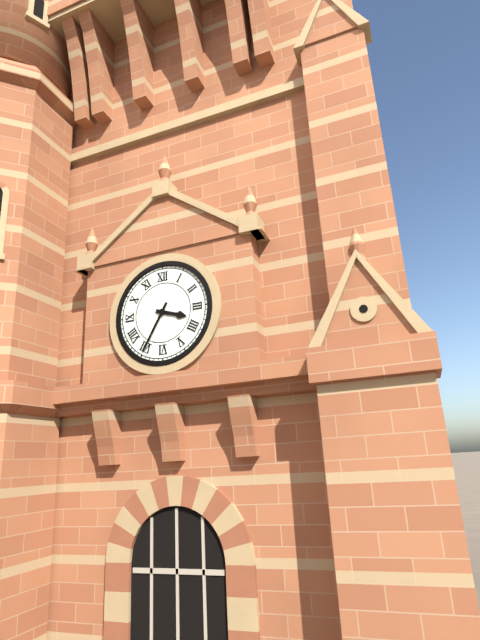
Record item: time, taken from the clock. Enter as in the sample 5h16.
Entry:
3h35
